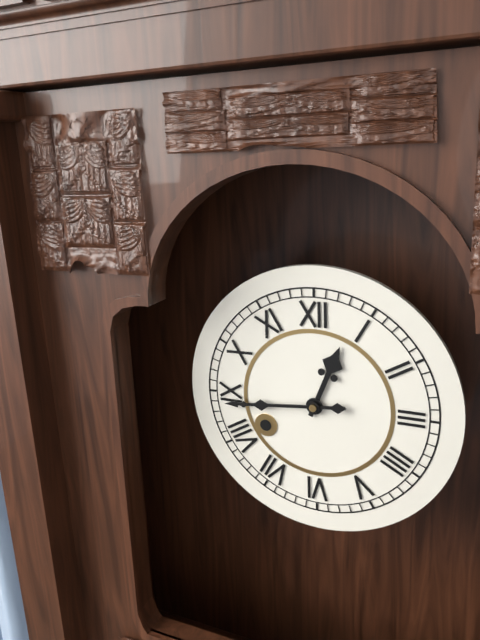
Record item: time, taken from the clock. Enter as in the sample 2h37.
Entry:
12h44
